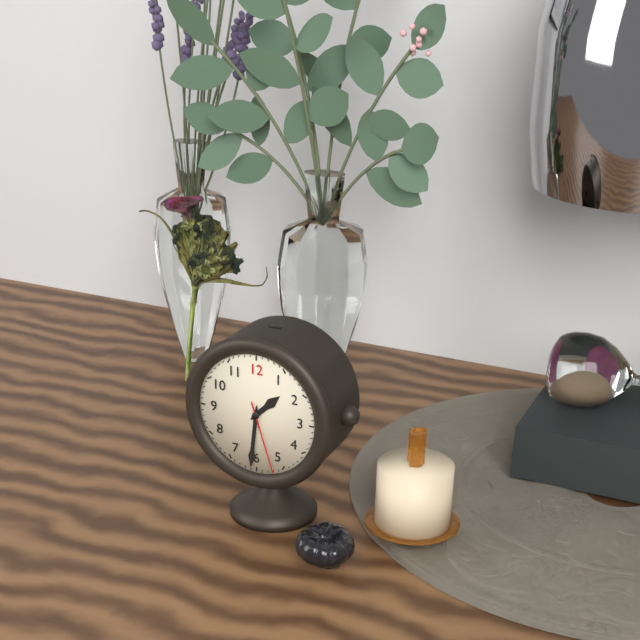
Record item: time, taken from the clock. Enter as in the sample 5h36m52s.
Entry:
1h31m27s
